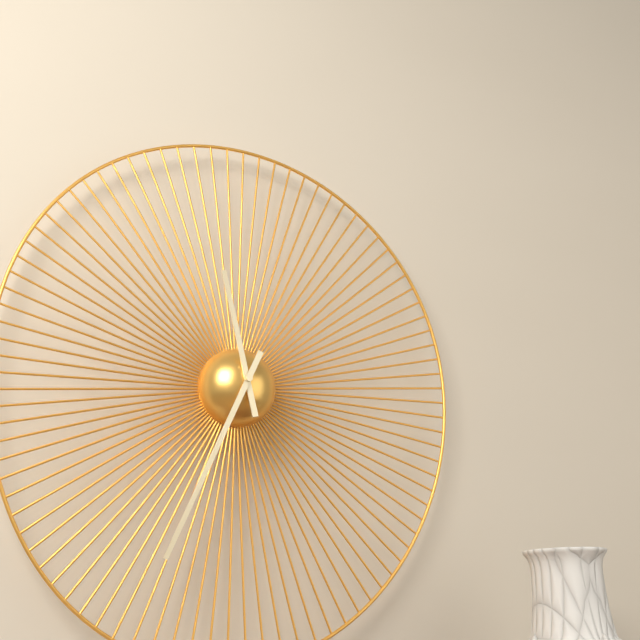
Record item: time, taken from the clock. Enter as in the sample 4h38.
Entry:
11h34
